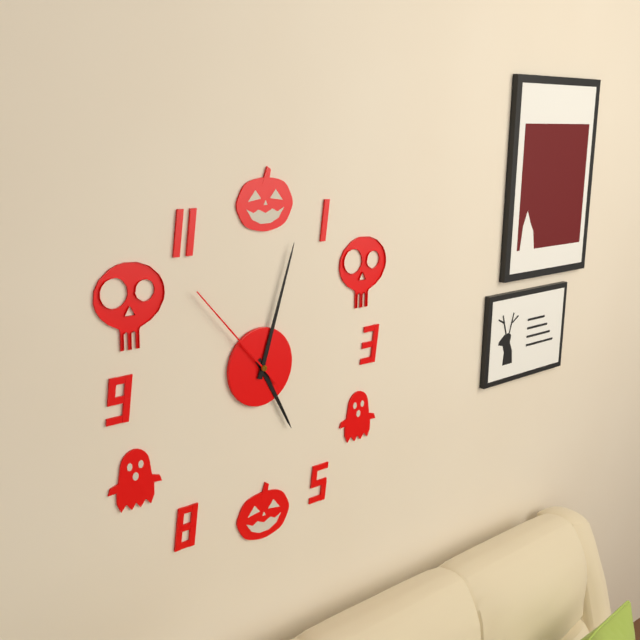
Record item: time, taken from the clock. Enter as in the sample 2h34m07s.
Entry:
5h03m53s
